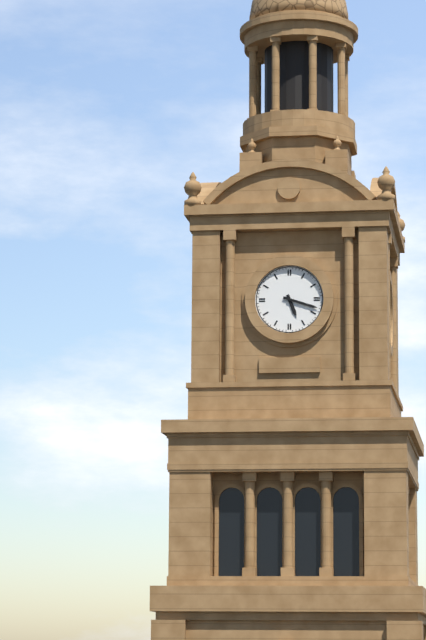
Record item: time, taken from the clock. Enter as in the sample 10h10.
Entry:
5h18
